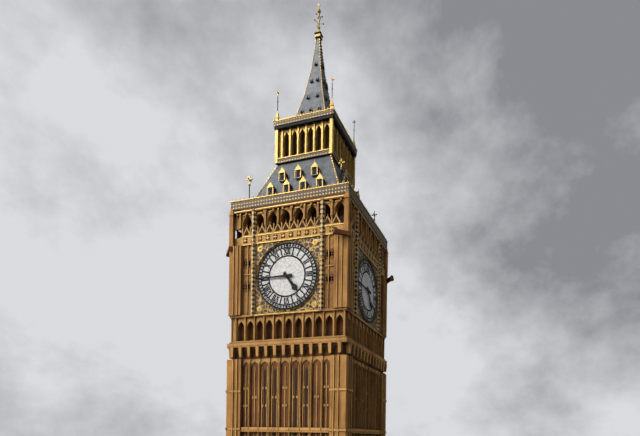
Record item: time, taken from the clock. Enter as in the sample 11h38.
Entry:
4h45
